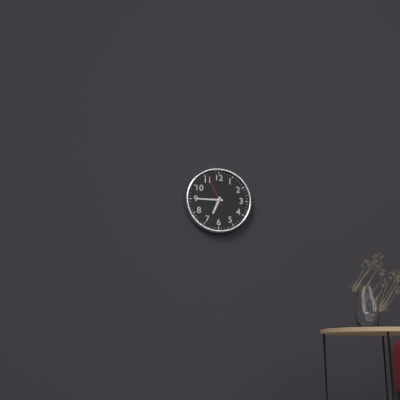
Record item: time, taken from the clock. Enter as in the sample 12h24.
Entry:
6h45
